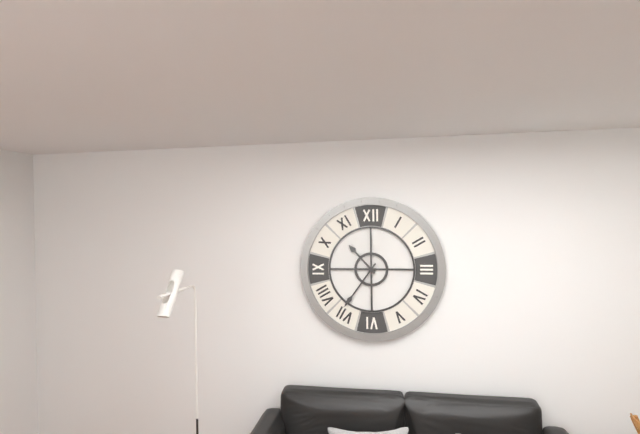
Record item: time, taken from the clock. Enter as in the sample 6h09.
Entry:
10h36
